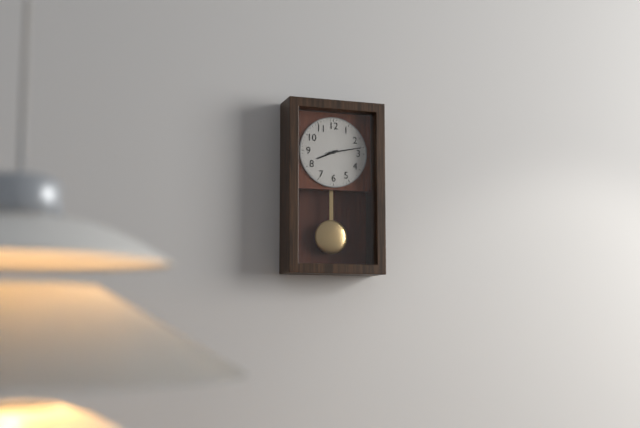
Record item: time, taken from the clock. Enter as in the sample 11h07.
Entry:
8h13
